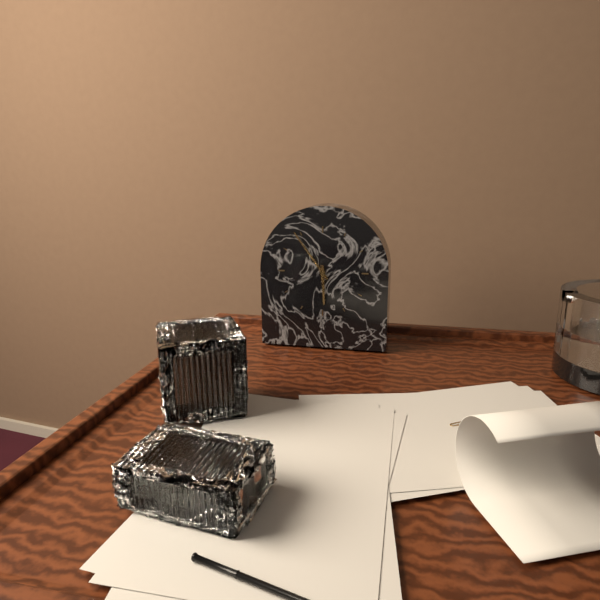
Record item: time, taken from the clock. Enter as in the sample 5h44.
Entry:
5h54
